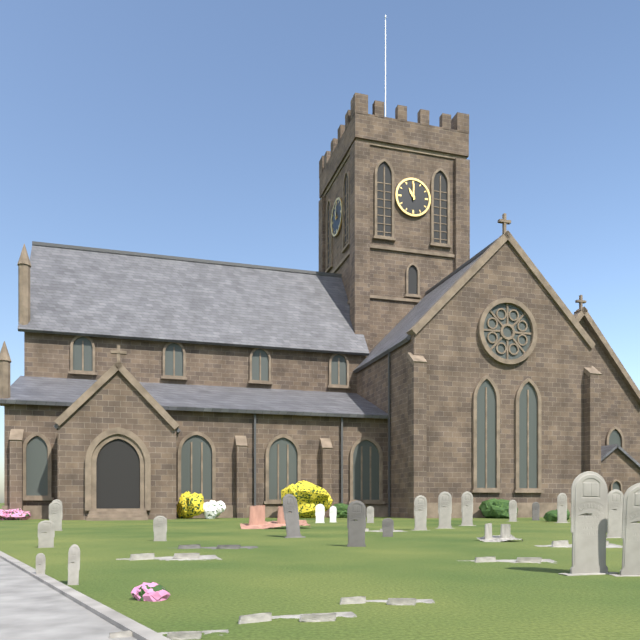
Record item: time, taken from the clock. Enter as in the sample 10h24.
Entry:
11h00
